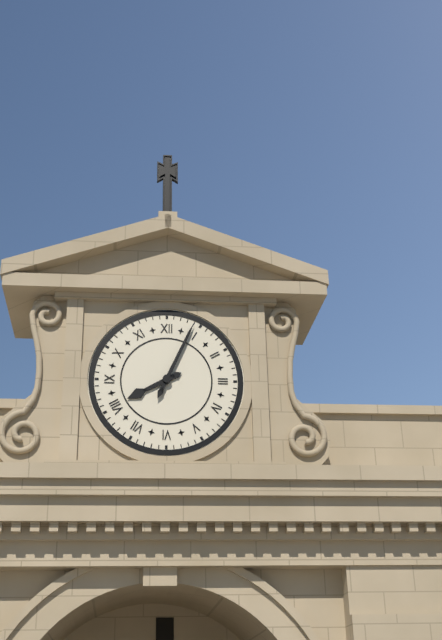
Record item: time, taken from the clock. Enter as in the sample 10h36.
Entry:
8h04
